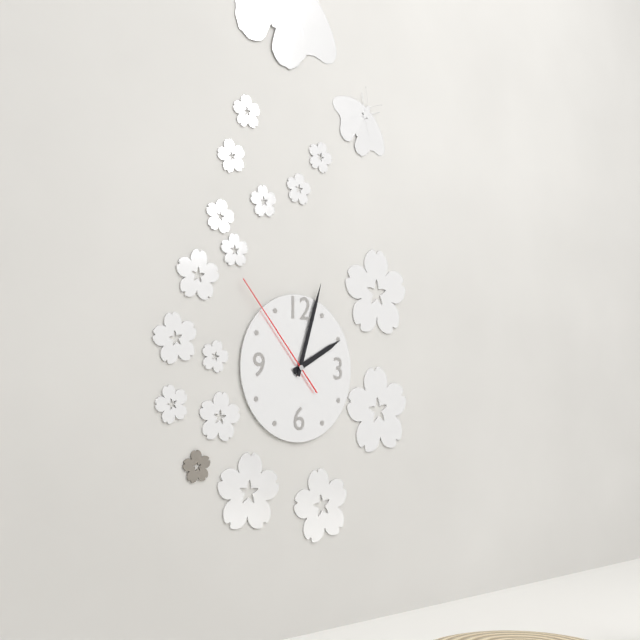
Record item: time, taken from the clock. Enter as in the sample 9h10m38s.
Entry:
2h03m53s
